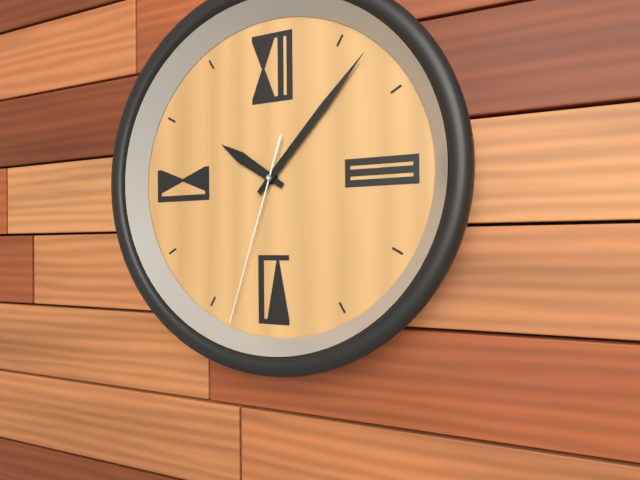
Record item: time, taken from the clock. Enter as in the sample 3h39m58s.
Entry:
10h07m33s
